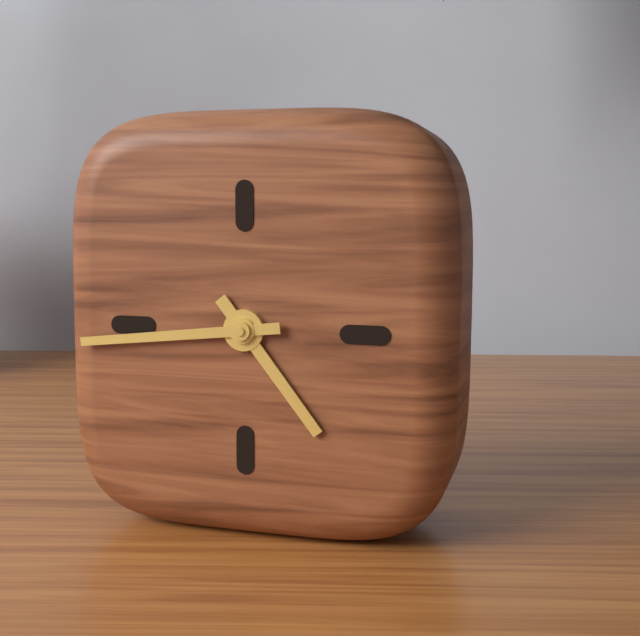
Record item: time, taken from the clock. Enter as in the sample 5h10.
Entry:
4h44
